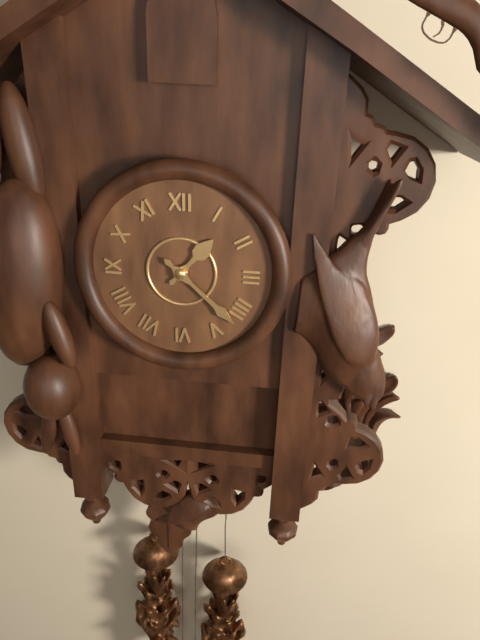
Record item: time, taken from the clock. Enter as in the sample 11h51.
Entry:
1h22
